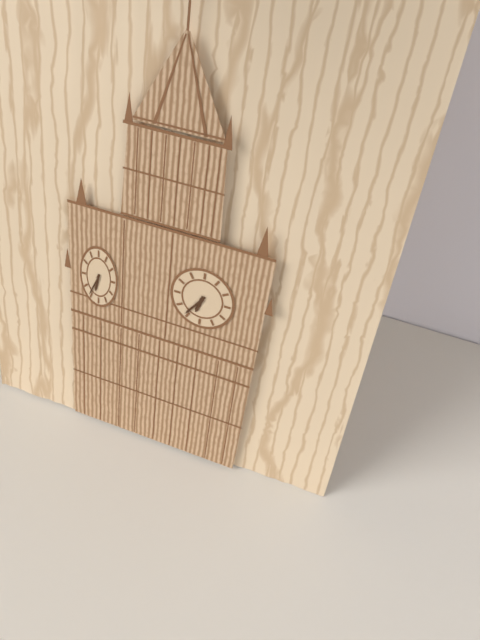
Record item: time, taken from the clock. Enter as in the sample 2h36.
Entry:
6h36
